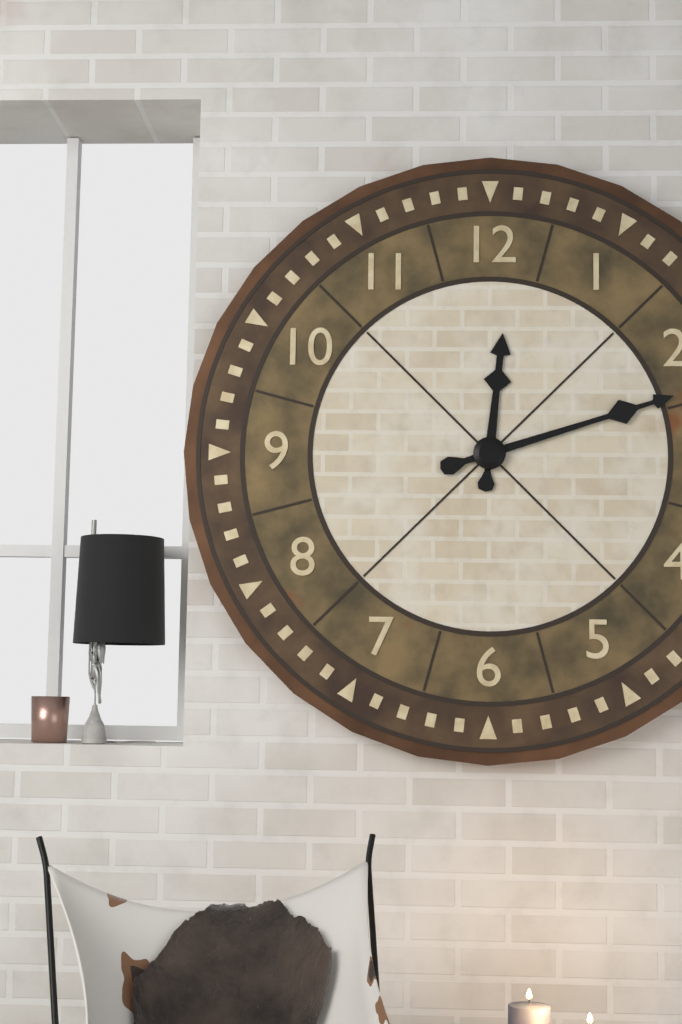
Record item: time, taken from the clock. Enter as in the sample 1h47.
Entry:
12h12
